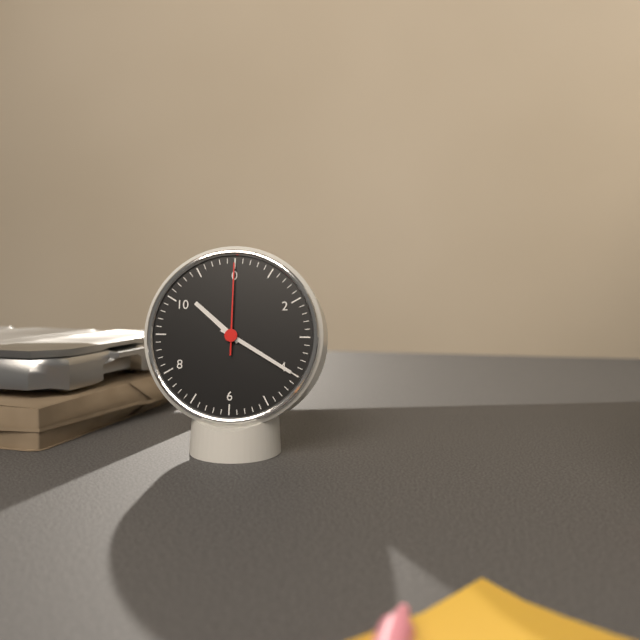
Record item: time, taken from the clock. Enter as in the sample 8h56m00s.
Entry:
10h20m00s
